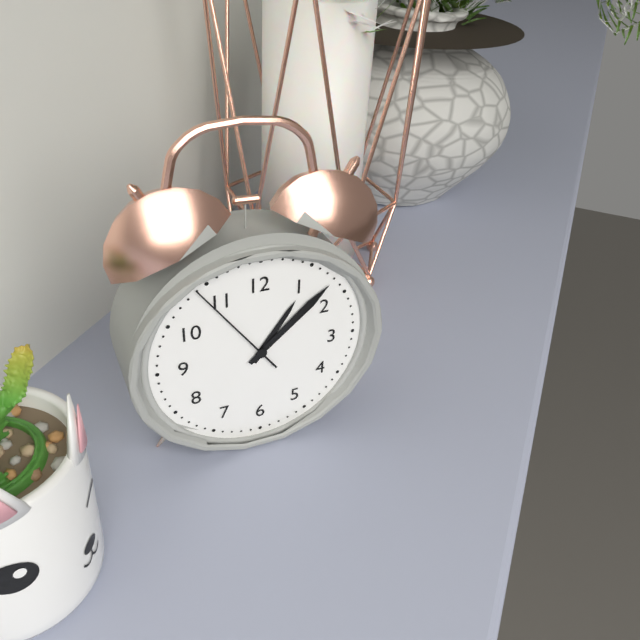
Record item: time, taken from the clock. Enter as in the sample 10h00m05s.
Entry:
1h08m54s
